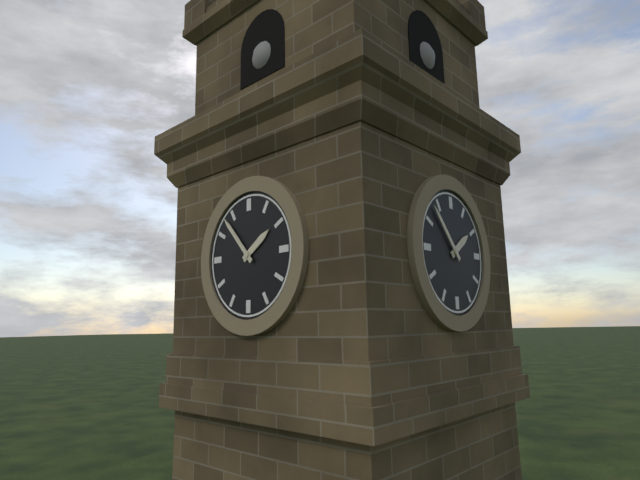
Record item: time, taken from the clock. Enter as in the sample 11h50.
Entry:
1h53
